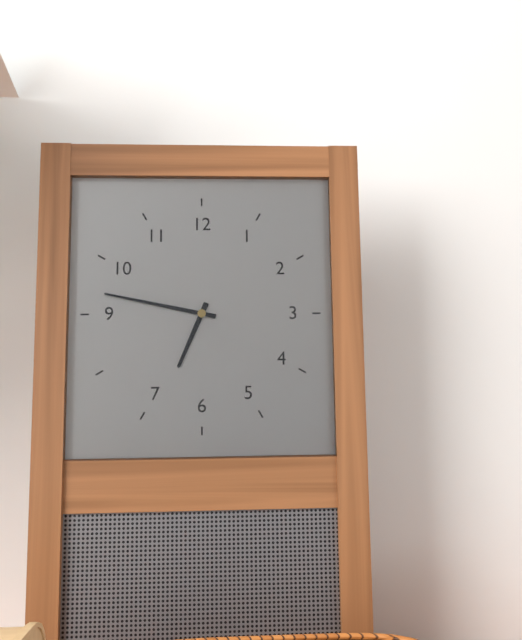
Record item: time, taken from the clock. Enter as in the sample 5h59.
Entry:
6h47
